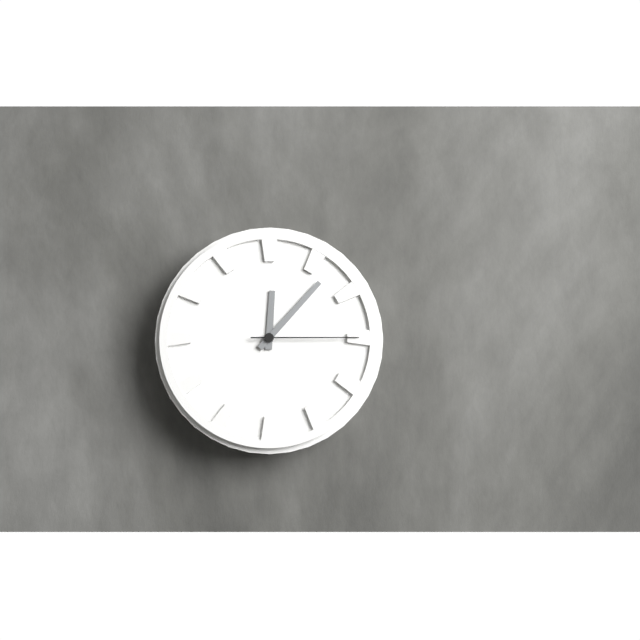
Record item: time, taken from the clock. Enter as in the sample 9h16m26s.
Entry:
12h07m15s
